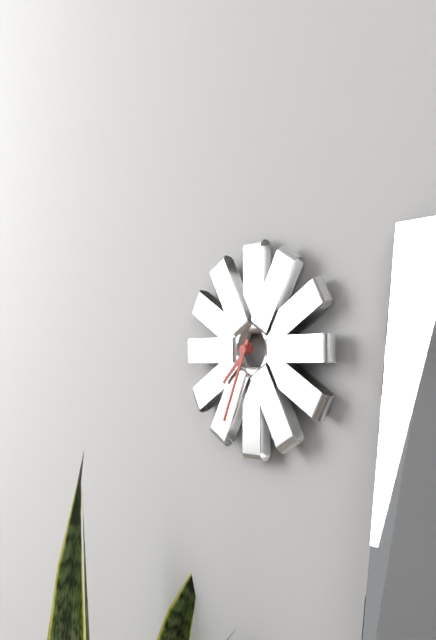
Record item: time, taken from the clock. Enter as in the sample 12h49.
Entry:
7h34
